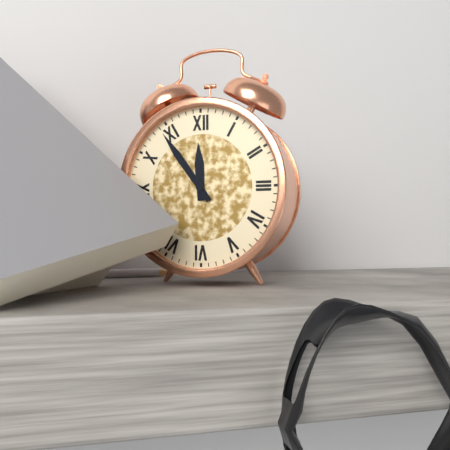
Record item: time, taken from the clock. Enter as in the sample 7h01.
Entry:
11h54
